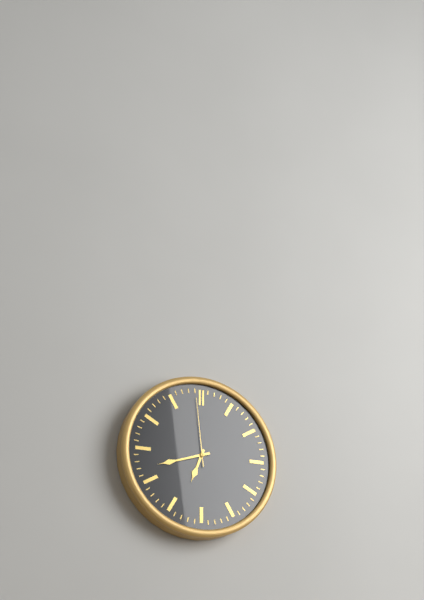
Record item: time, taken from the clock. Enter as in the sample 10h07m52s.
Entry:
6h42m59s
